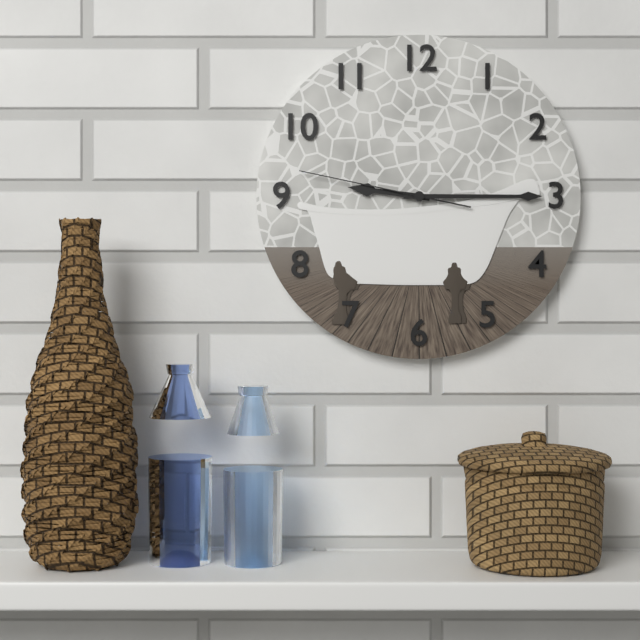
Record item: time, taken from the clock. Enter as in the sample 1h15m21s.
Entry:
9h15m47s
